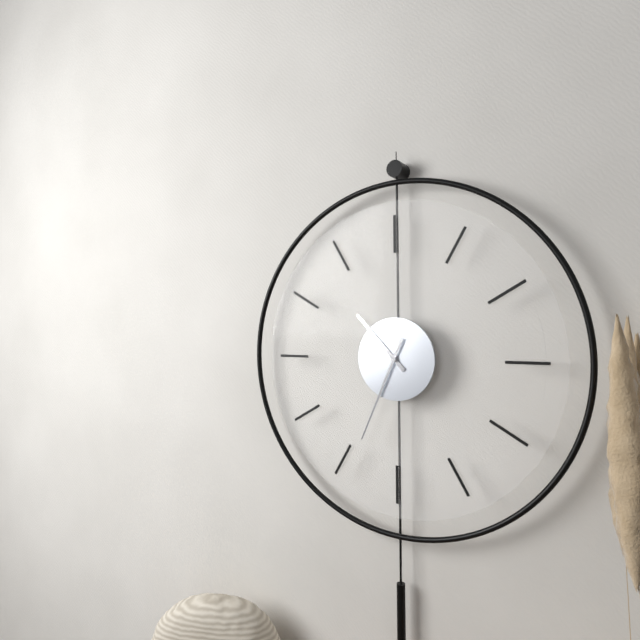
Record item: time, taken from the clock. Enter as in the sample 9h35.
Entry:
10h34
